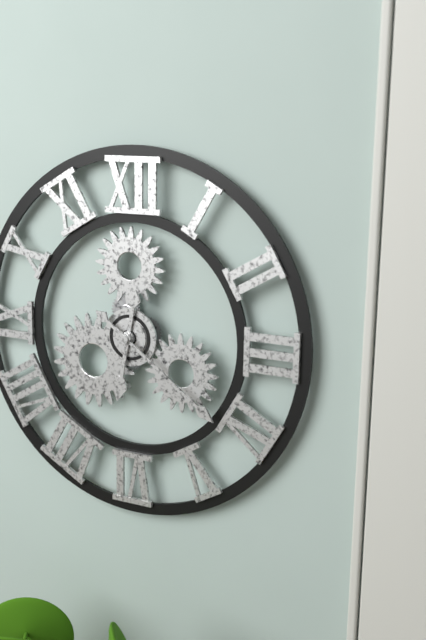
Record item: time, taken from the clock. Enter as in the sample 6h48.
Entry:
6h21
